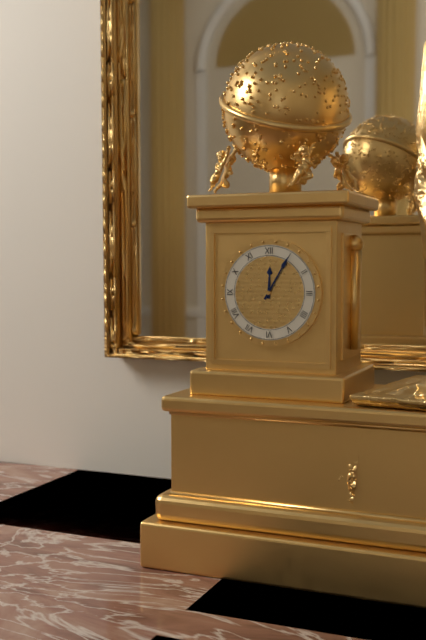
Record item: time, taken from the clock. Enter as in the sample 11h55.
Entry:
12h05
